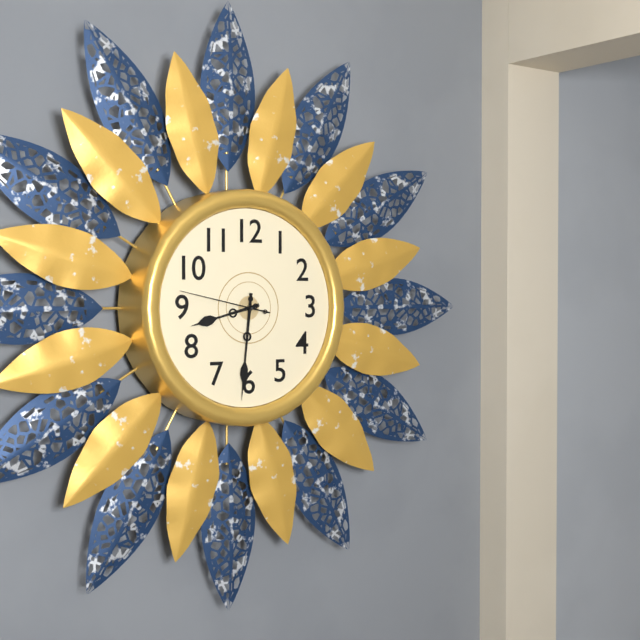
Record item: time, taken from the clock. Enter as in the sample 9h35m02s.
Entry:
8h31m47s
